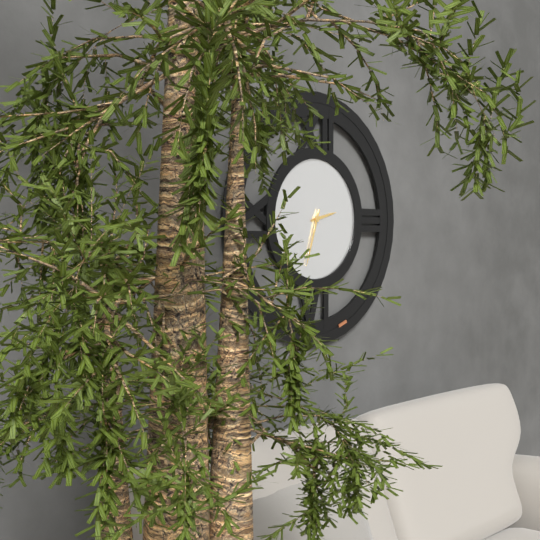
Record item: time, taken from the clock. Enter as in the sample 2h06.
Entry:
2h33
